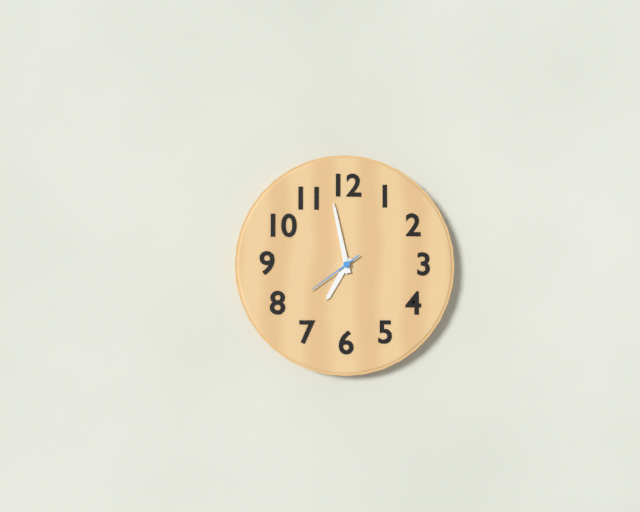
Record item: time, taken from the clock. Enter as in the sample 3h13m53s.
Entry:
6h58m39s
